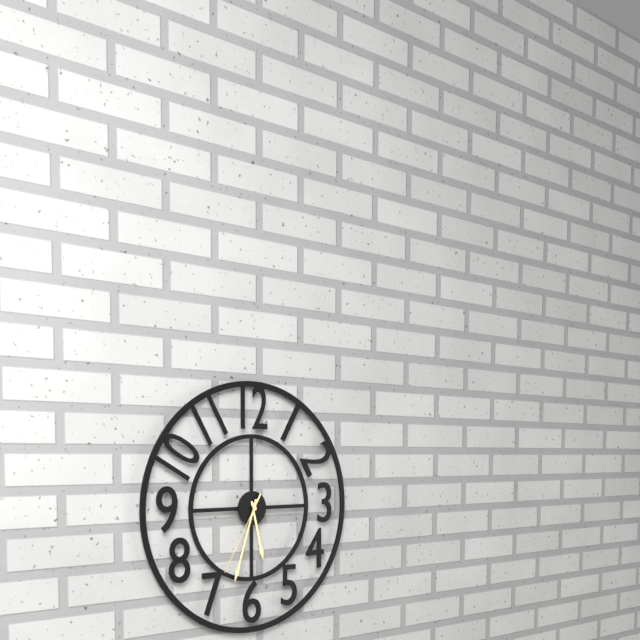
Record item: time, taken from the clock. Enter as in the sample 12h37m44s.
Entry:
5h33m35s
